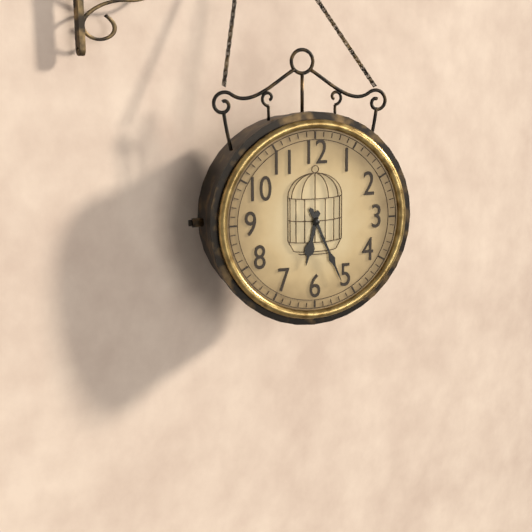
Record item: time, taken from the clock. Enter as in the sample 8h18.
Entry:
6h26
